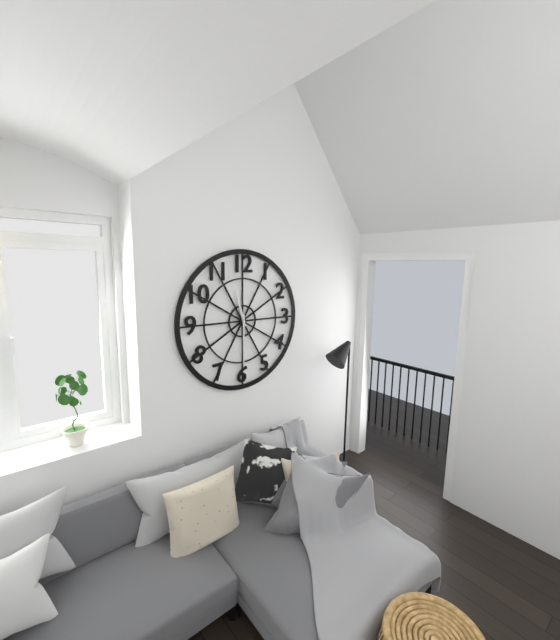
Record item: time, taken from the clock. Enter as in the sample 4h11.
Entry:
11h30
